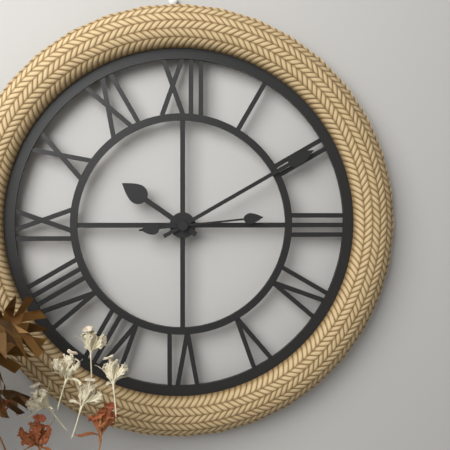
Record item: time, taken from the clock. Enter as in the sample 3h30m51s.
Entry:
10h10m14s
